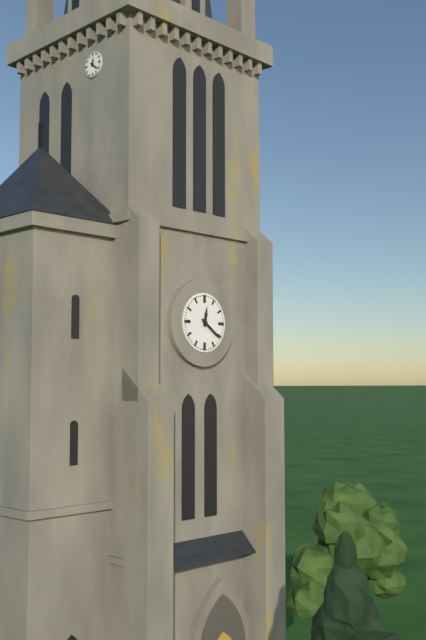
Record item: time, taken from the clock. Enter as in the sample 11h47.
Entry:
12h21
